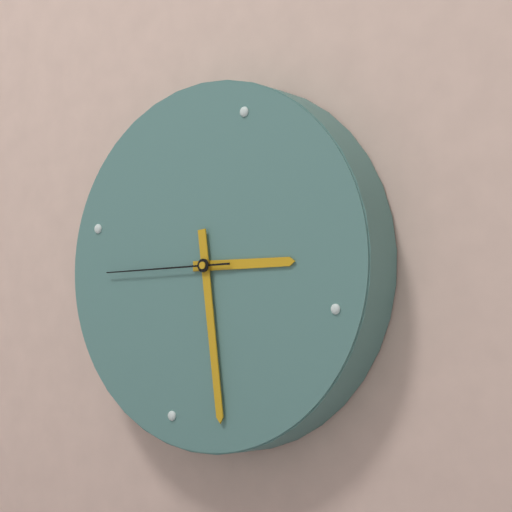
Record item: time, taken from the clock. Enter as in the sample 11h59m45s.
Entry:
2h26m42s
